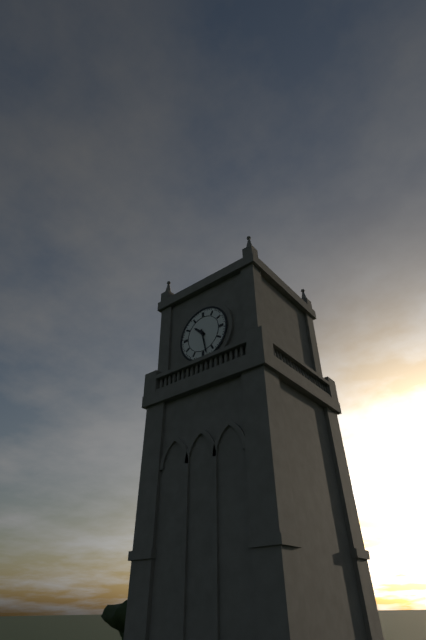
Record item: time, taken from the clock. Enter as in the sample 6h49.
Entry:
10h28
